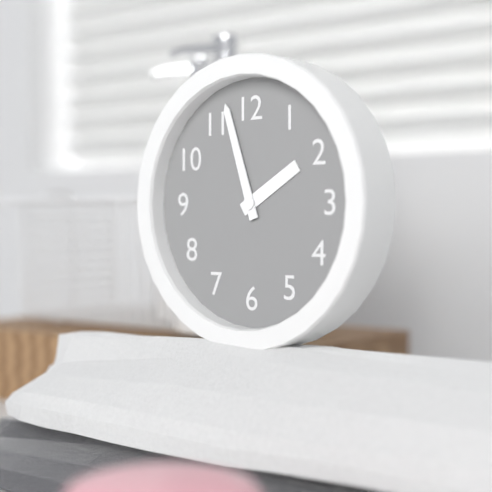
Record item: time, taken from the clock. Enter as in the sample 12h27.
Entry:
1h57
